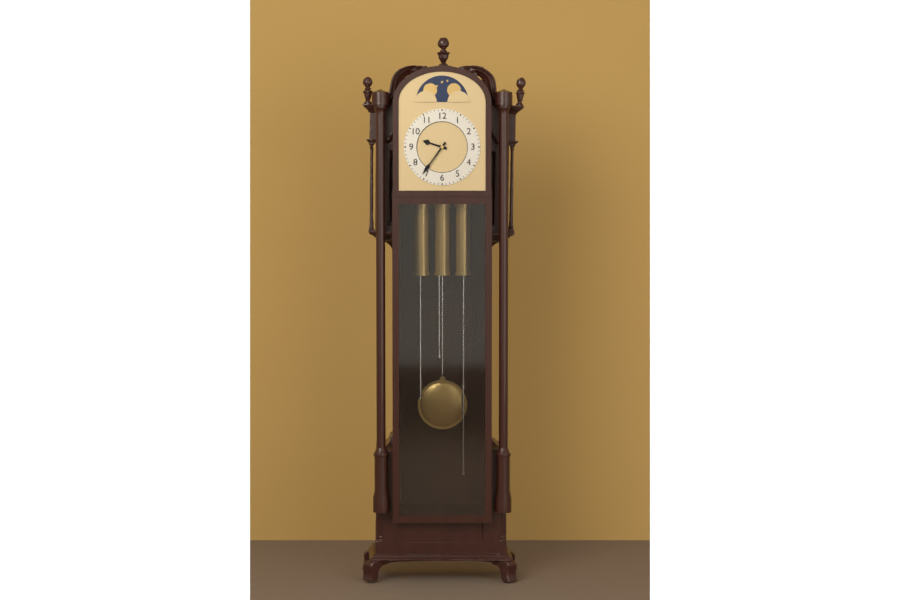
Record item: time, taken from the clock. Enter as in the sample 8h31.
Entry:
9h36
